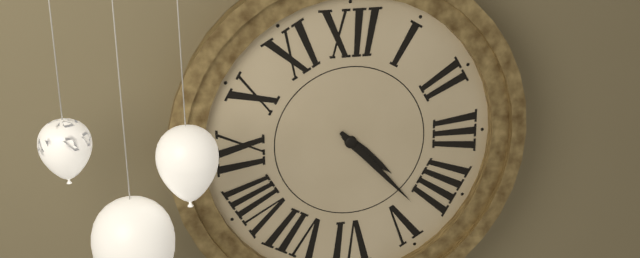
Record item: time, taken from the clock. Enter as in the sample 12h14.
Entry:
4h23
